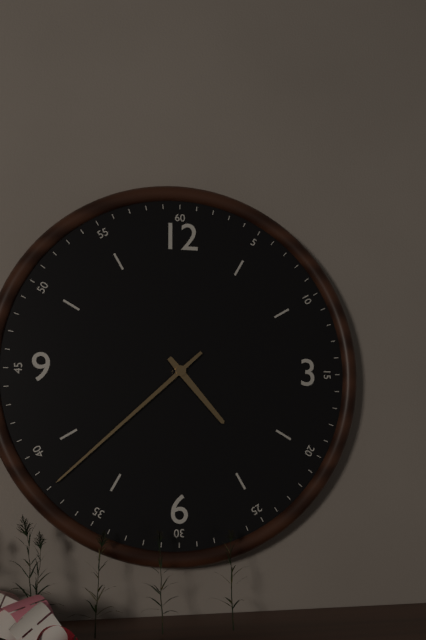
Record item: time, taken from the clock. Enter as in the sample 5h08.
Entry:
4h38
